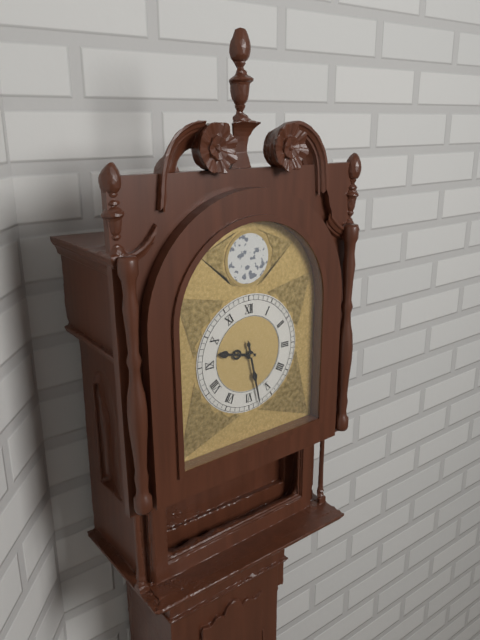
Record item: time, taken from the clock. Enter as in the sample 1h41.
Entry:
9h28
